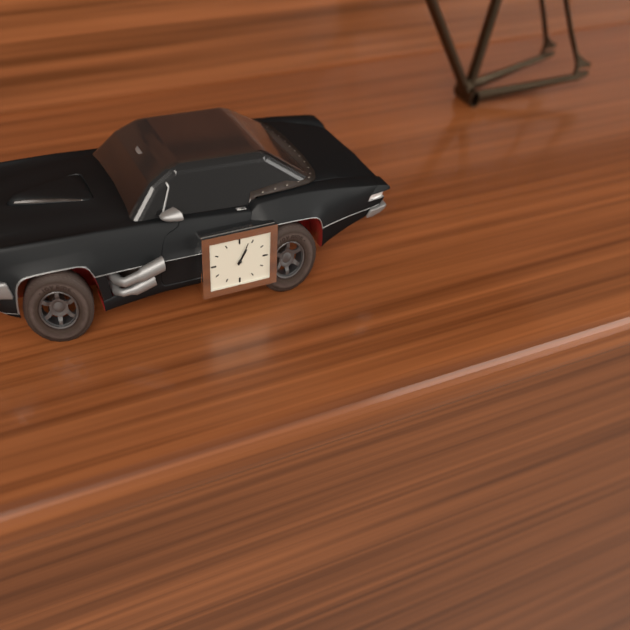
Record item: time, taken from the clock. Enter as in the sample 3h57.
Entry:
1h04
